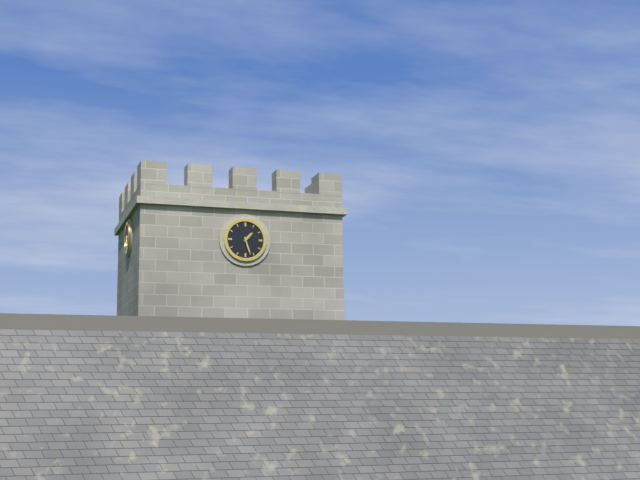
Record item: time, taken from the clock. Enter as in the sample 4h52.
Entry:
1h27
